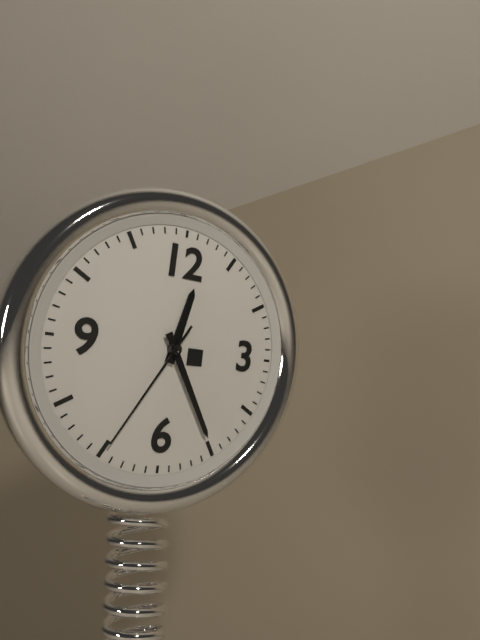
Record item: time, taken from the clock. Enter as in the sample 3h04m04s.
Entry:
12h25m35s
